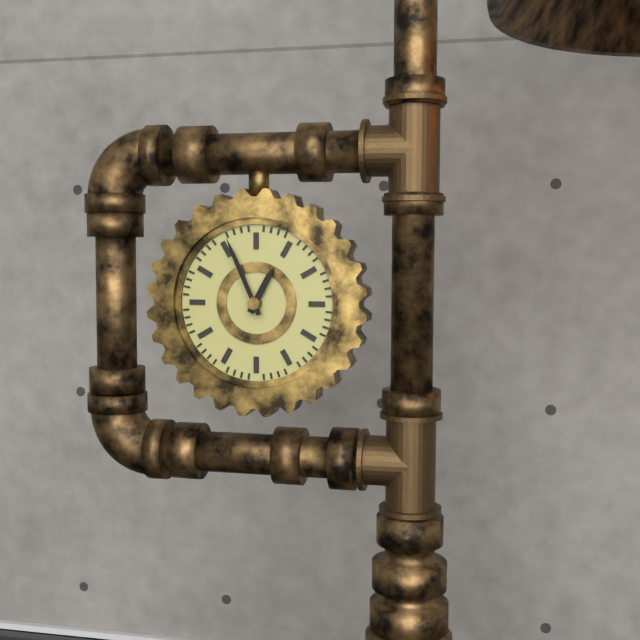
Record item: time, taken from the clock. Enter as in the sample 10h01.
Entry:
12h56
